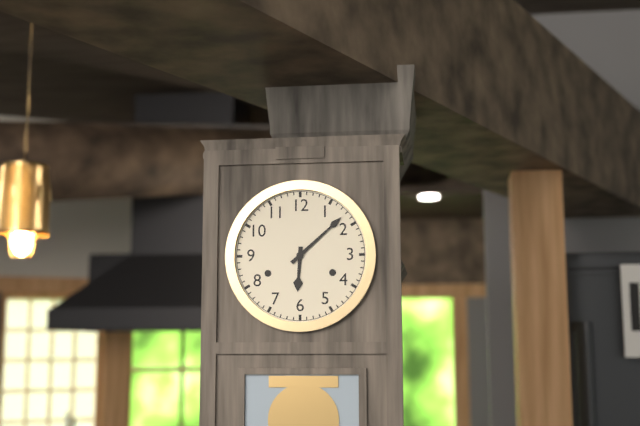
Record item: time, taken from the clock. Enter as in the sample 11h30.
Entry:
6h08
